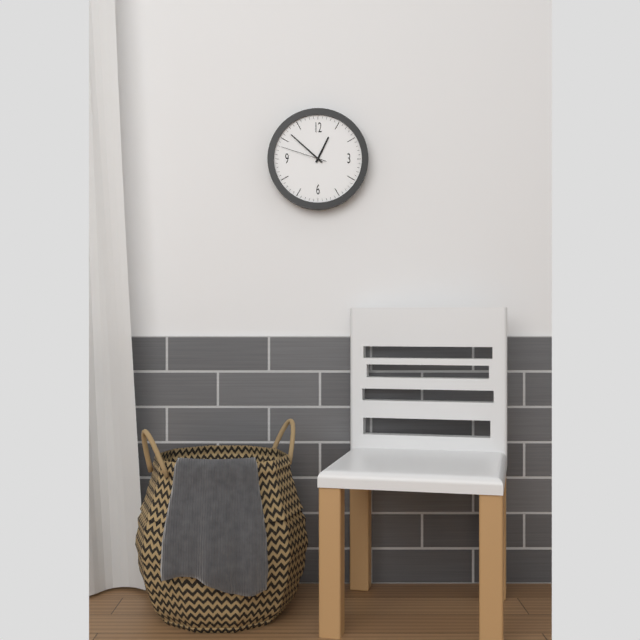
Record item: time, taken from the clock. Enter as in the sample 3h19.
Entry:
12h52
